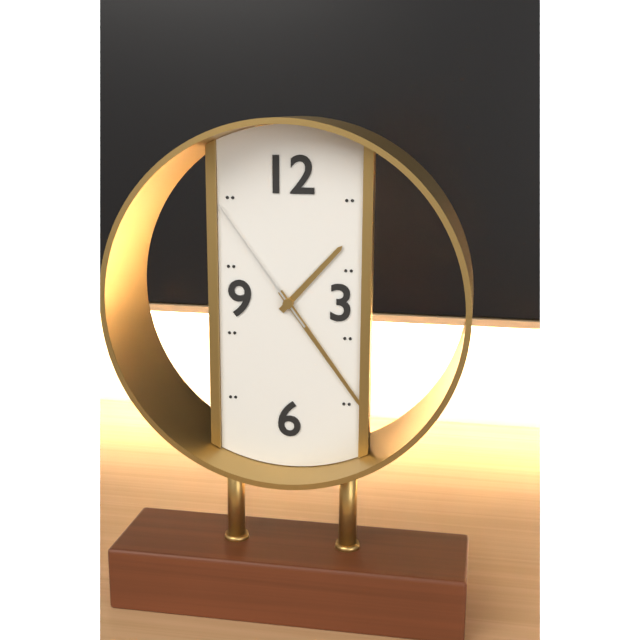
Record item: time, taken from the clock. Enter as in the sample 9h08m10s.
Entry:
1h24m54s
